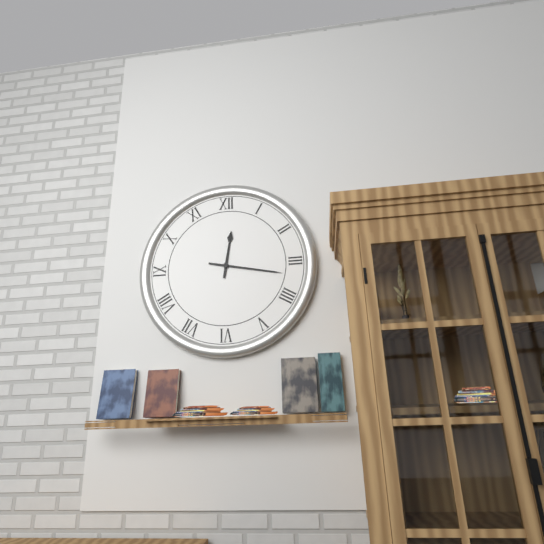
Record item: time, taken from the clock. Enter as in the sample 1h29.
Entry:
12h17
